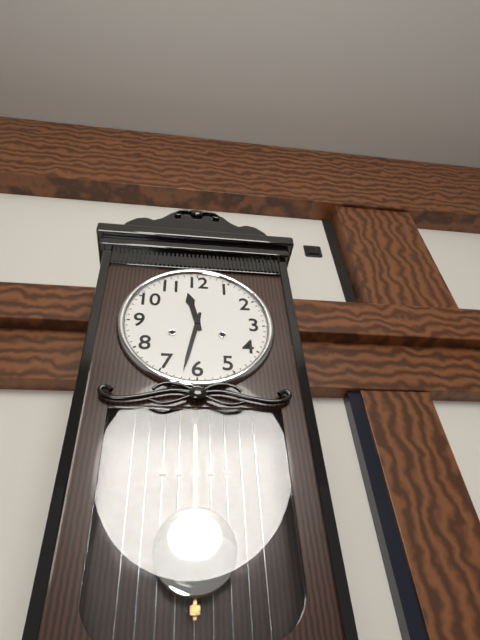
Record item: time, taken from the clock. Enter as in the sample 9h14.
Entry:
11h32
